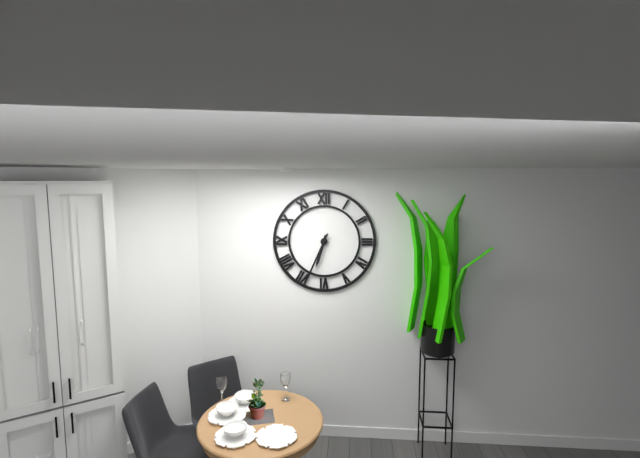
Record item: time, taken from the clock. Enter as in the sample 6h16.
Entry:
6h34
